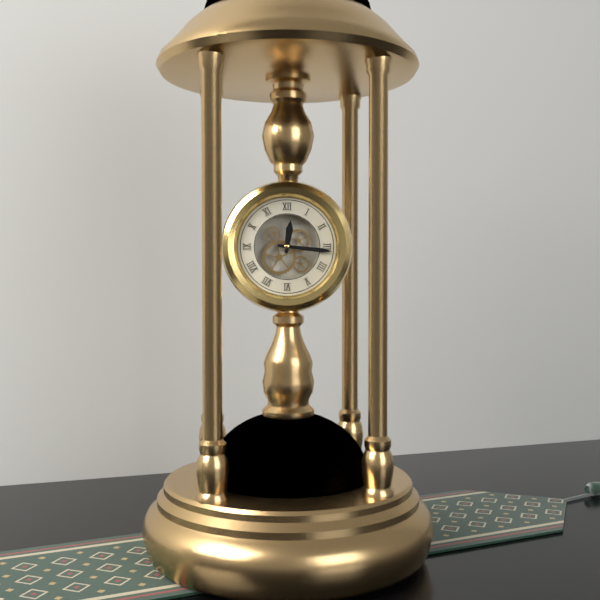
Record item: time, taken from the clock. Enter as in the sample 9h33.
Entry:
12h16
